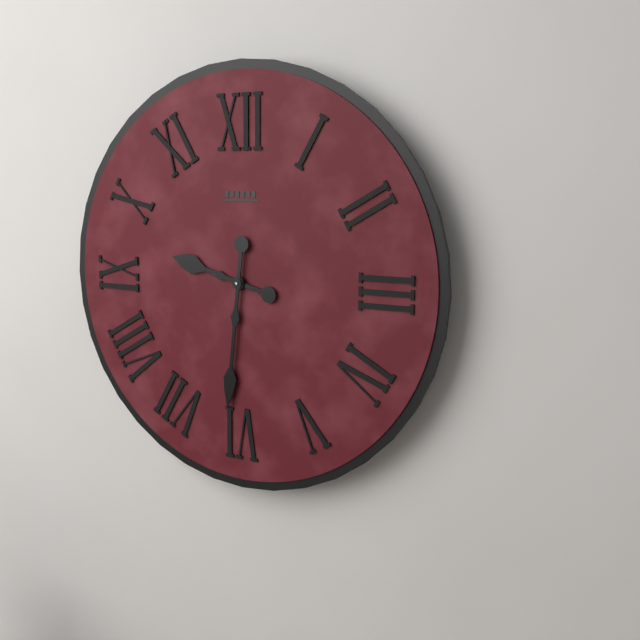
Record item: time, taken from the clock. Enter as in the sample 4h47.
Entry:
9h31
